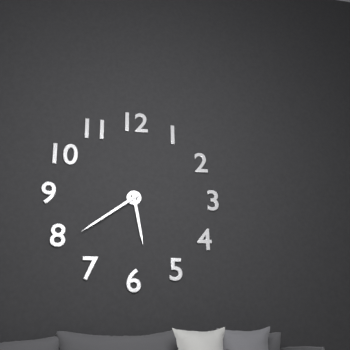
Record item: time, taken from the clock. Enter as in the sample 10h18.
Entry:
5h39
